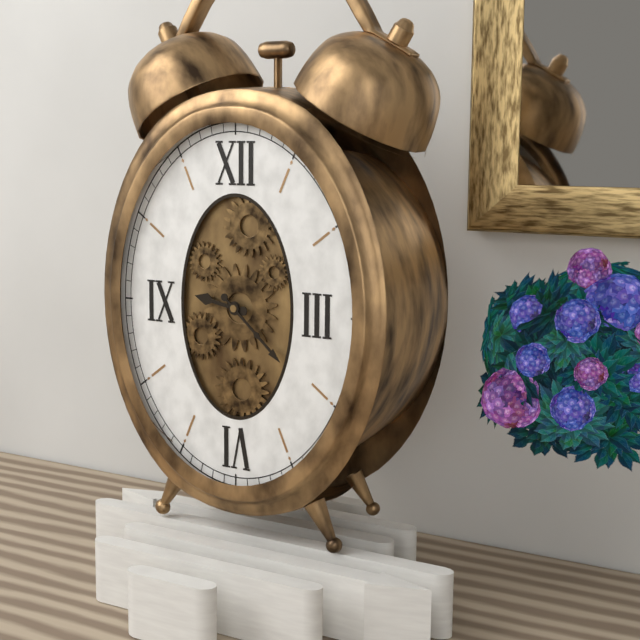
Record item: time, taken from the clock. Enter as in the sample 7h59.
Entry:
9h22
